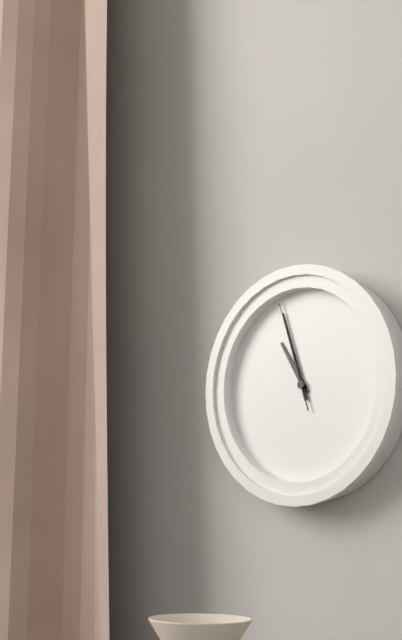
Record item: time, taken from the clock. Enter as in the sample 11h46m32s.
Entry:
10h57m57s
